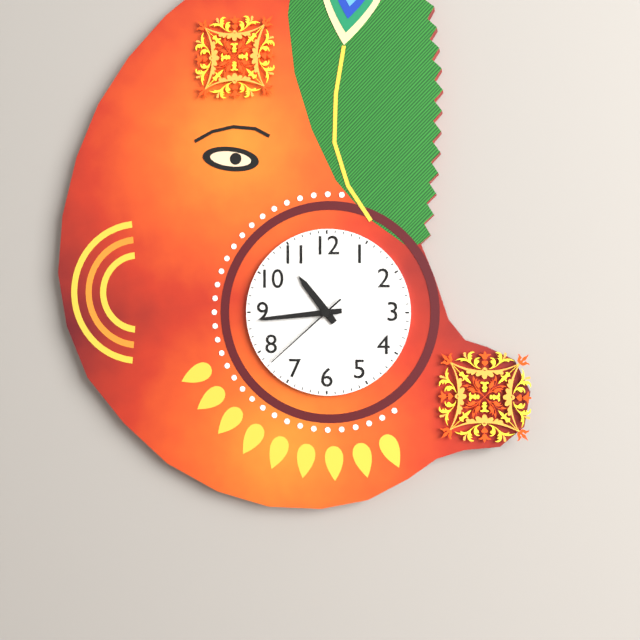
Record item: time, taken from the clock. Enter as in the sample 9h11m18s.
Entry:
10h44m38s
